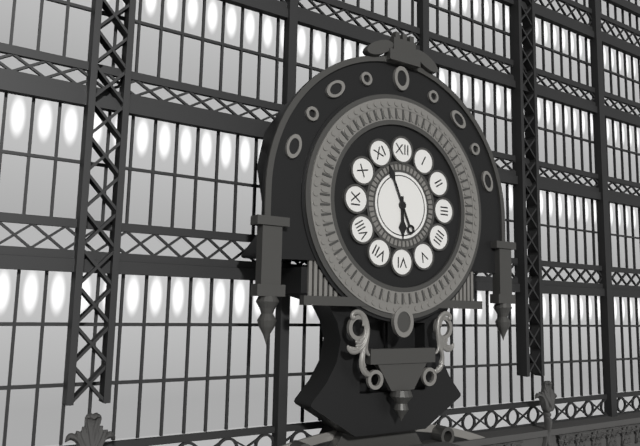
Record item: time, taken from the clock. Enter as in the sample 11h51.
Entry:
5h56
